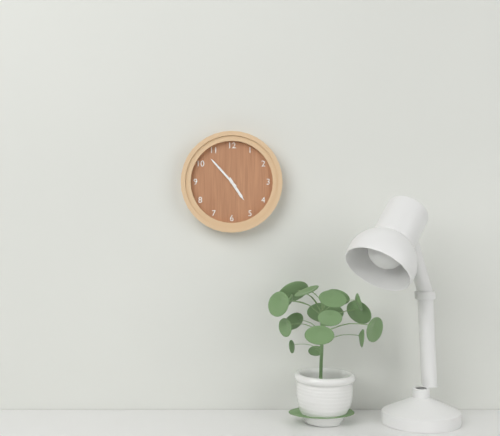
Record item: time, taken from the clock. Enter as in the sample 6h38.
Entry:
4h53
